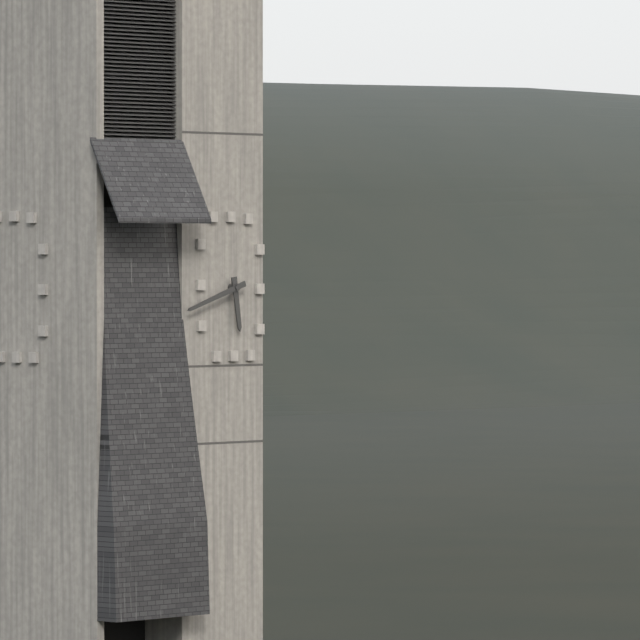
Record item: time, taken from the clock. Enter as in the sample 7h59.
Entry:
5h42
